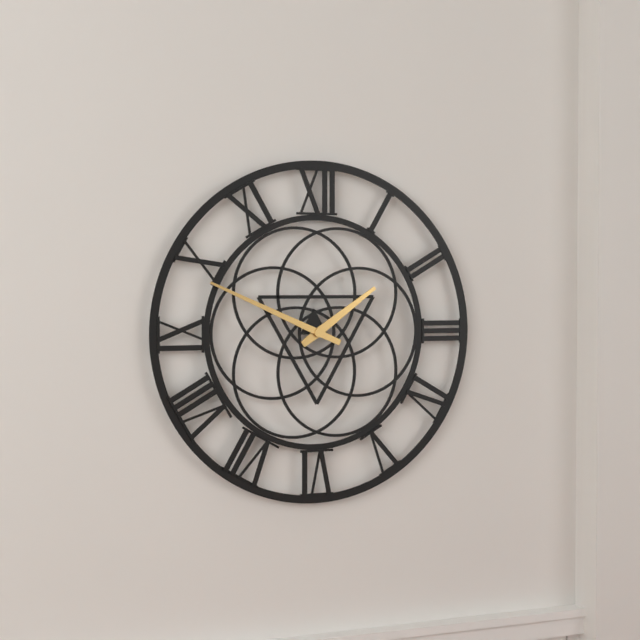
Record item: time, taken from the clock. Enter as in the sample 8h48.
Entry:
1h49
